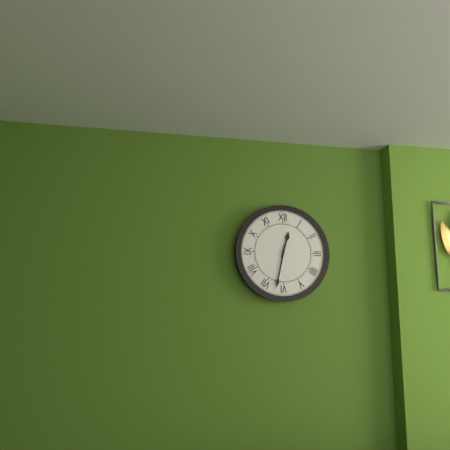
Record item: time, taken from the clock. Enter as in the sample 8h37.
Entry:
12h32
